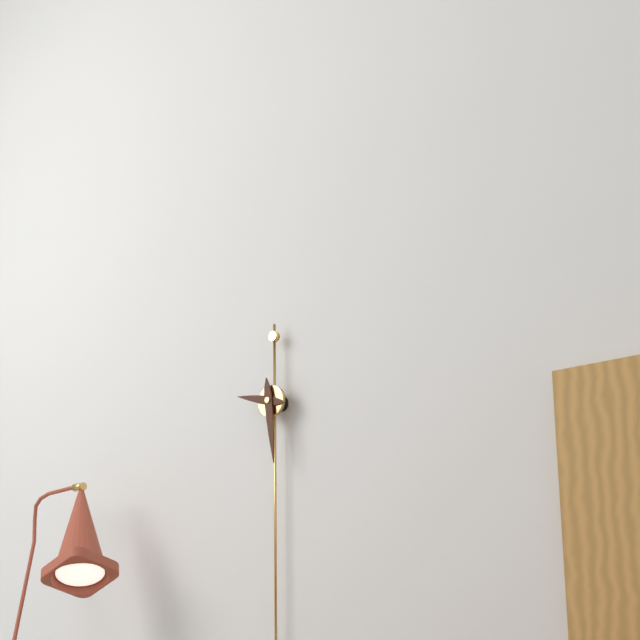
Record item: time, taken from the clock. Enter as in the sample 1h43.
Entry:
9h29
